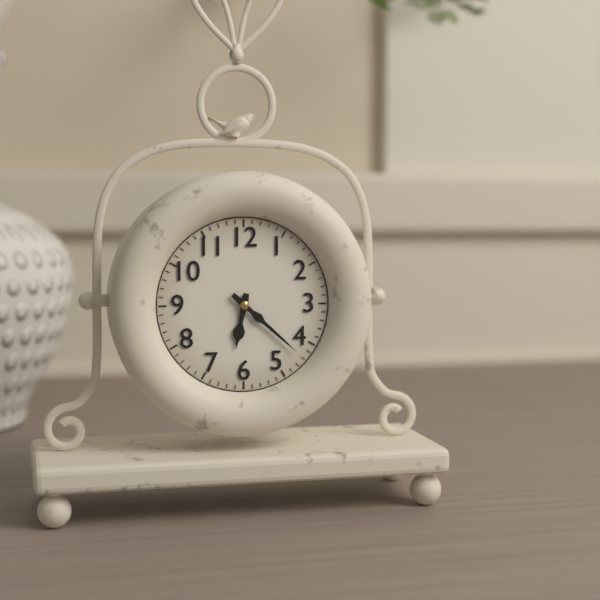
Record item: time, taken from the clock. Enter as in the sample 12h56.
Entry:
6h22
